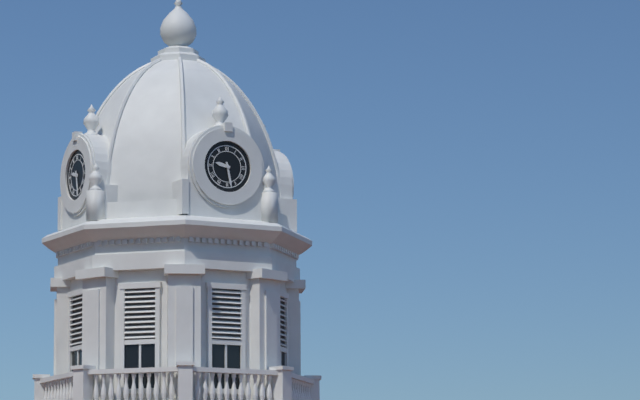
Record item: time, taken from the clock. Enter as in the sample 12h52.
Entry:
9h28
